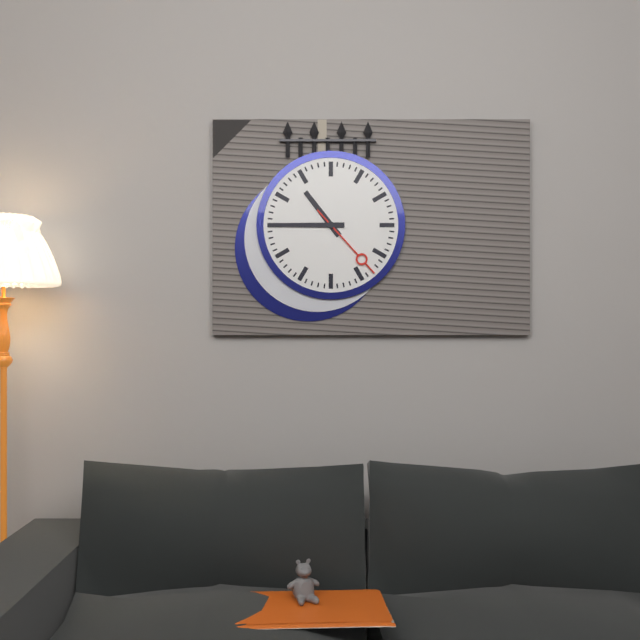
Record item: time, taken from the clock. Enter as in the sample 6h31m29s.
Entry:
10h45m23s
